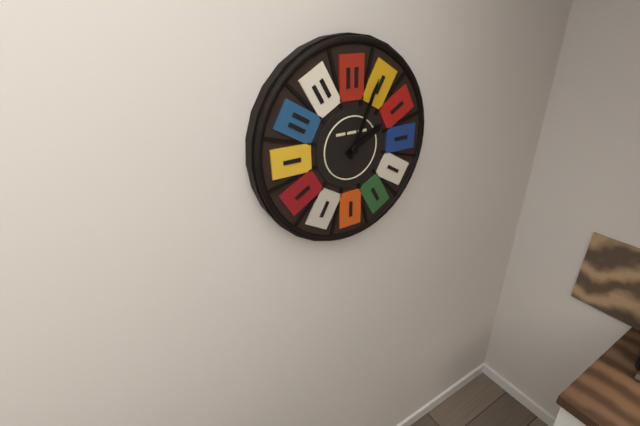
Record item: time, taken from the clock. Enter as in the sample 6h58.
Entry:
2h04
